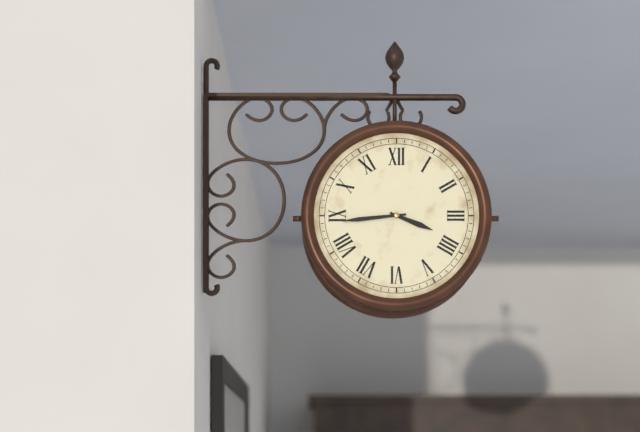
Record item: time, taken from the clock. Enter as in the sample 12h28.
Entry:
3h44
